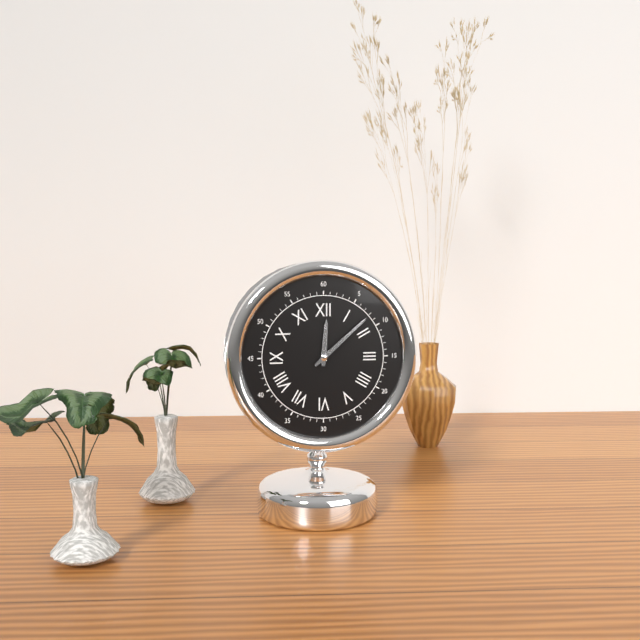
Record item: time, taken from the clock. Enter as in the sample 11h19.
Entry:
12h08
